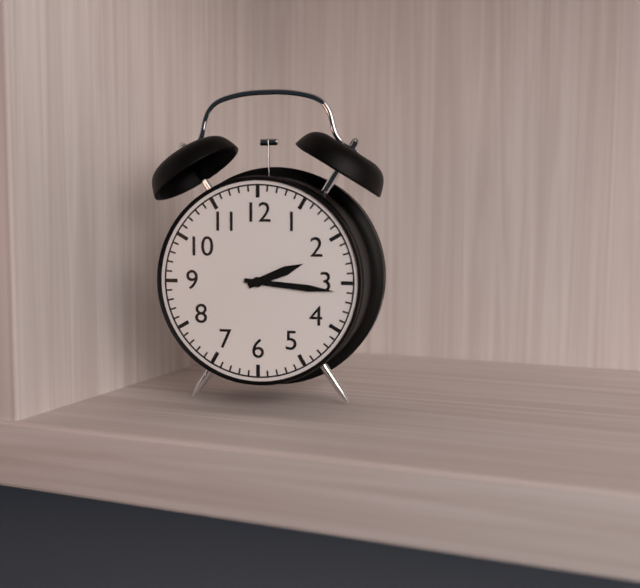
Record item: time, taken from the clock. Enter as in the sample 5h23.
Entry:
2h16
